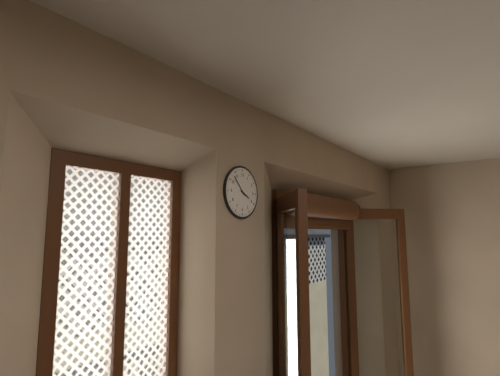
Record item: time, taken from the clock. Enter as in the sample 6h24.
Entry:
3h53
